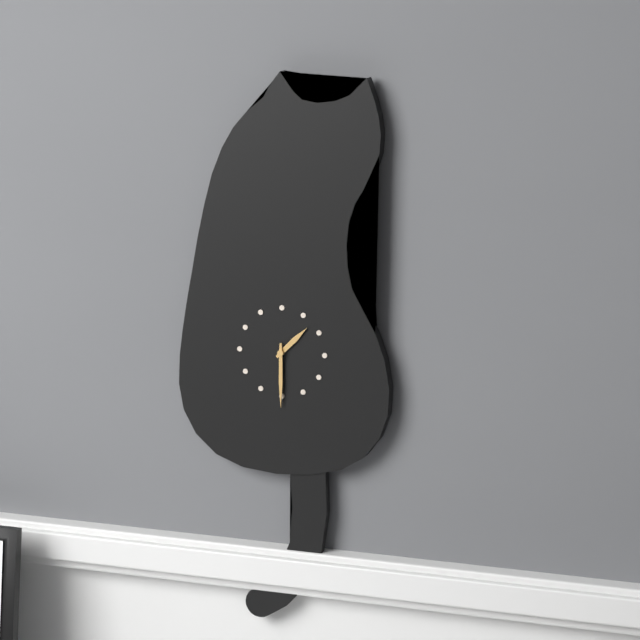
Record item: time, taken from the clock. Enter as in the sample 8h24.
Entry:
1h30
